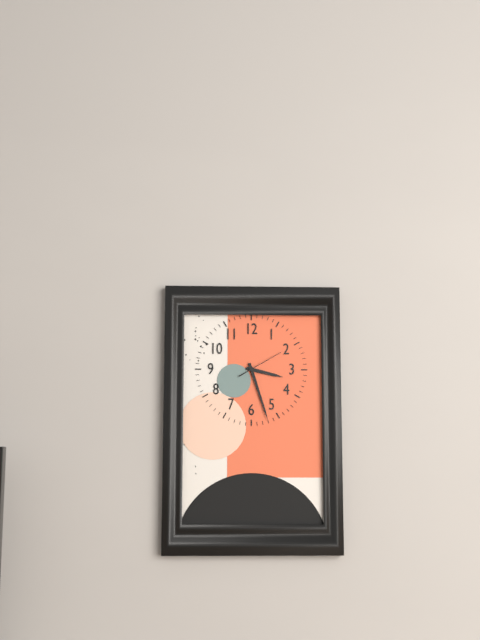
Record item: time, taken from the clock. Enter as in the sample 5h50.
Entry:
3h27
